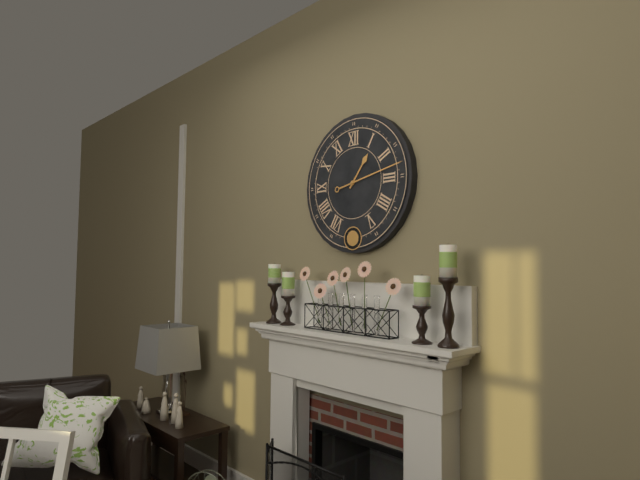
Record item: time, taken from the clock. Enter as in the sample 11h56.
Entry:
1h13
